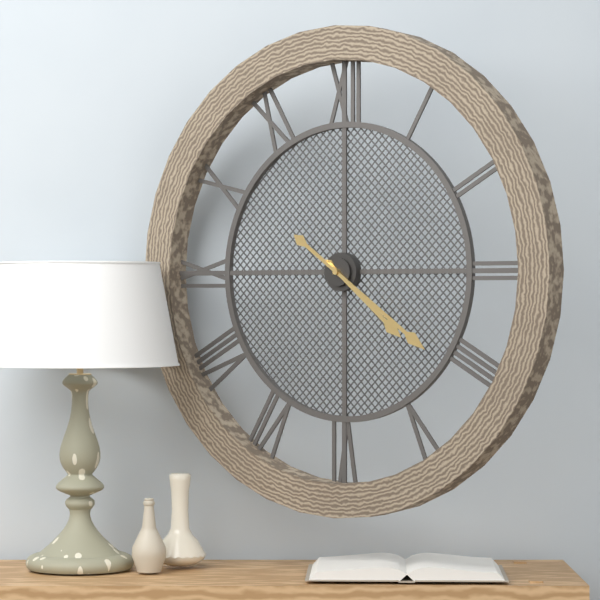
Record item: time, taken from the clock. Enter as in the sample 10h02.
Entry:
4h21
